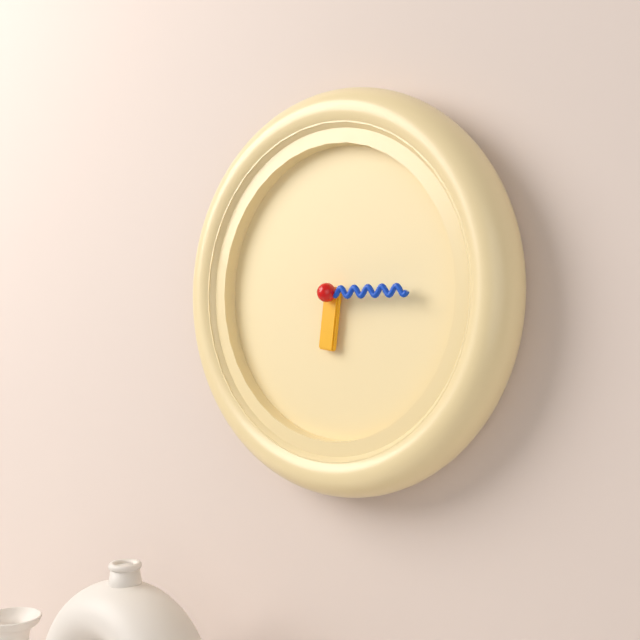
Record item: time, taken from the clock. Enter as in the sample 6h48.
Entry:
6h15
